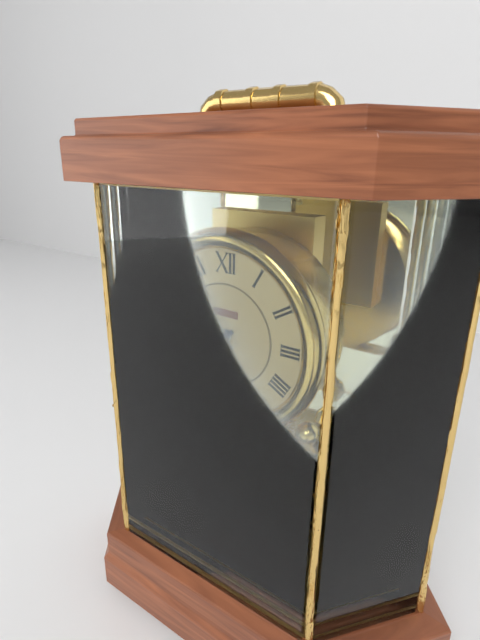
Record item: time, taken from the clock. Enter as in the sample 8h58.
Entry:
7h54
